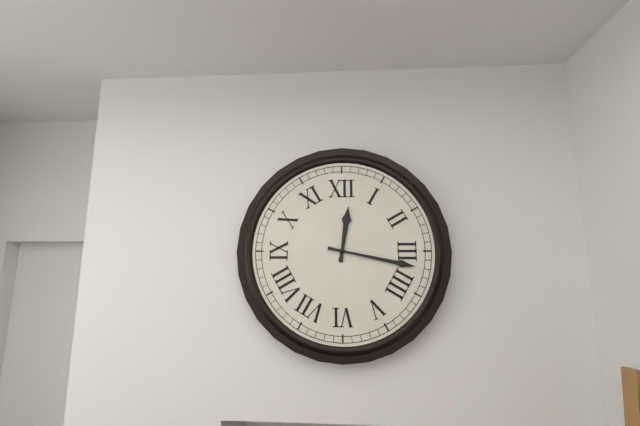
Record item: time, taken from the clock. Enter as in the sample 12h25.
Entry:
12h17
